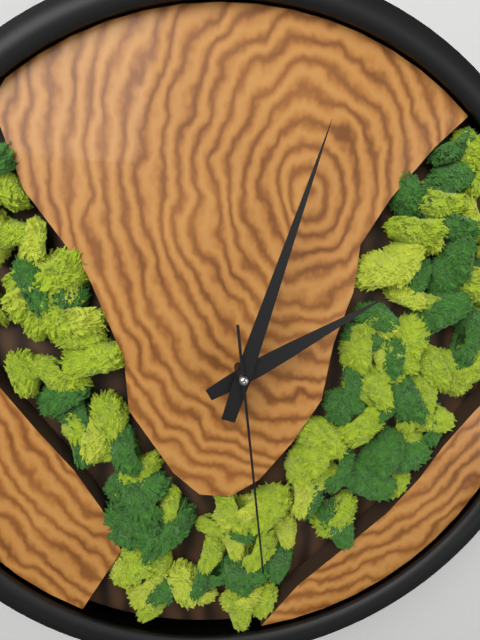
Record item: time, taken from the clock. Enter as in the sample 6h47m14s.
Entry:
2h03m29s
